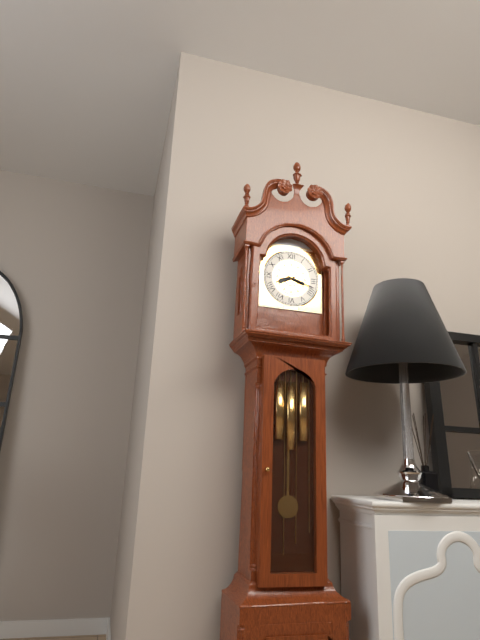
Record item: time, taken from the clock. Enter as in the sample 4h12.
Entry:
8h18
